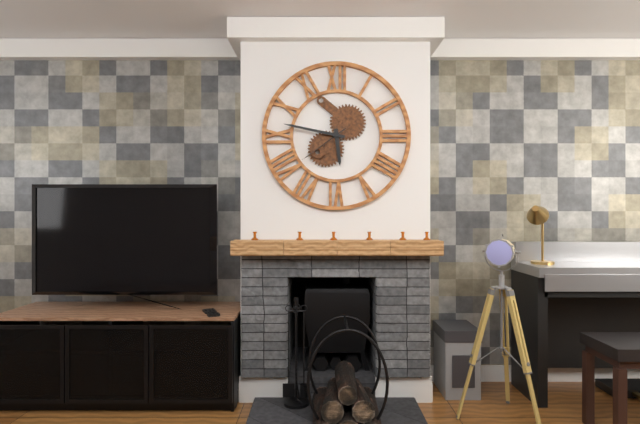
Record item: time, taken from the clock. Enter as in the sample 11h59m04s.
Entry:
5h47m39s
